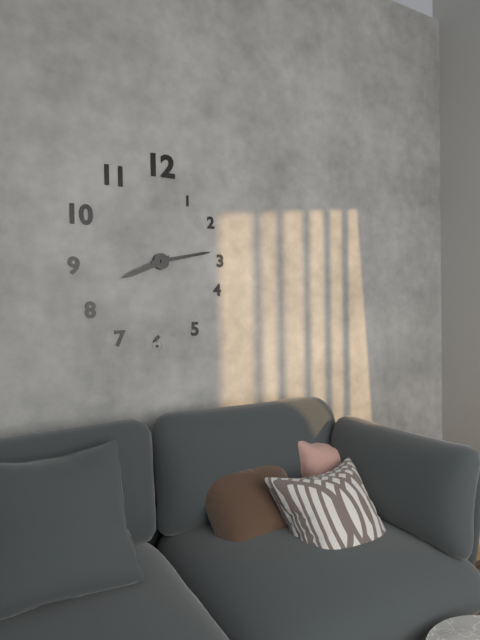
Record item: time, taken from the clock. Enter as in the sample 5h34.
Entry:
8h13
